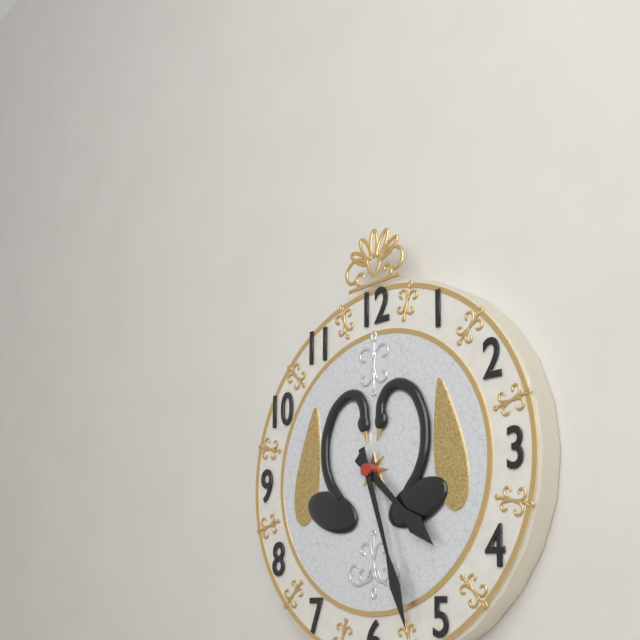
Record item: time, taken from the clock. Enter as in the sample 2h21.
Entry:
4h27
